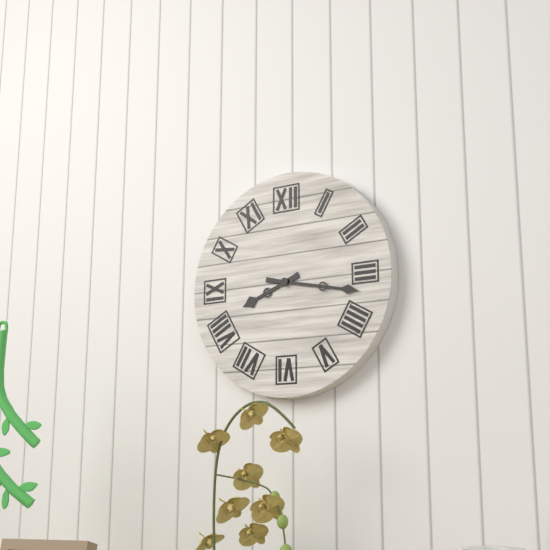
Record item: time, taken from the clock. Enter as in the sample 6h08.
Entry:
8h17
